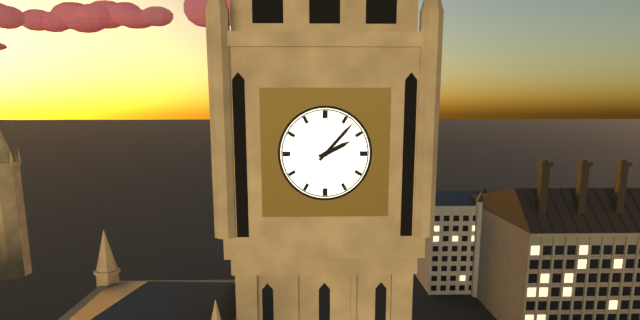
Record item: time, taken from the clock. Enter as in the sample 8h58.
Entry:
2h07
